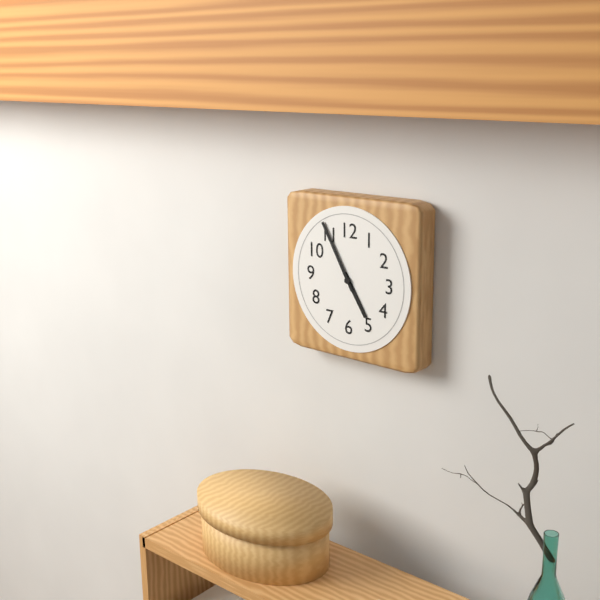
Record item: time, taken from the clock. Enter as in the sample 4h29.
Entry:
4h55
